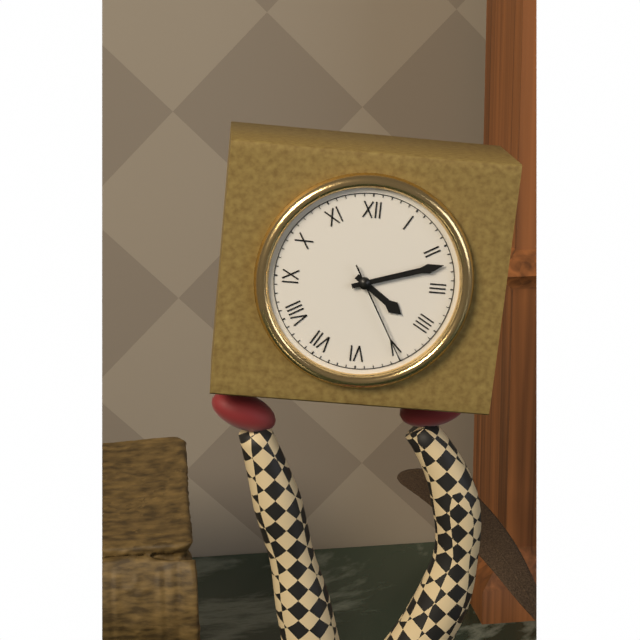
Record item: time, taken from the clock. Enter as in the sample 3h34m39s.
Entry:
4h12m25s
